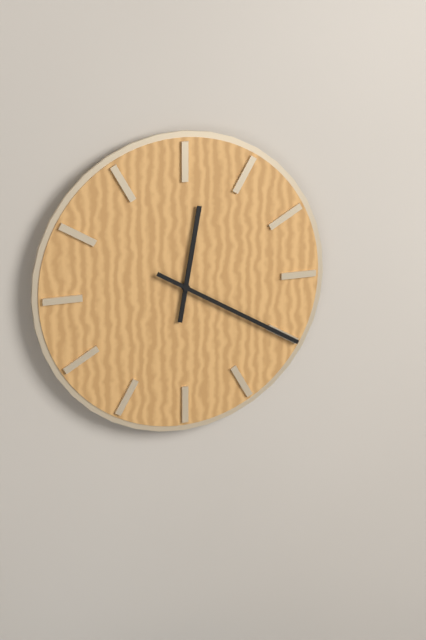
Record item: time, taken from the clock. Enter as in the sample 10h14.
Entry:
12h20
